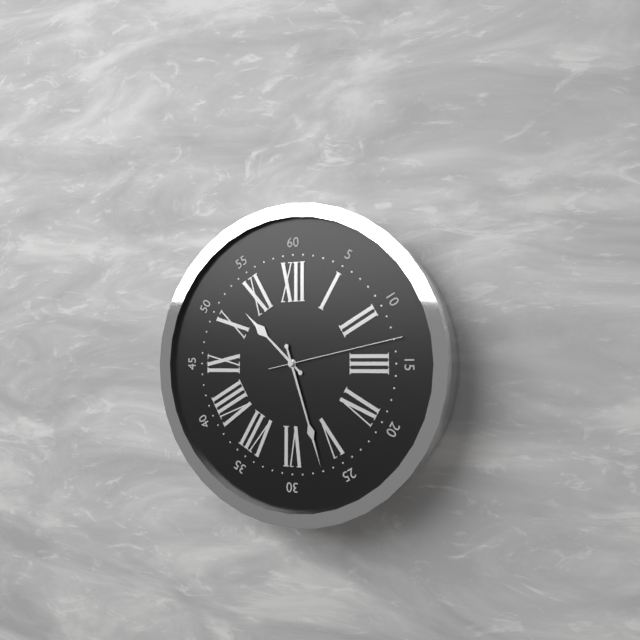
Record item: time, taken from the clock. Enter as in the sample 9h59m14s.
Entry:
10h27m13s
